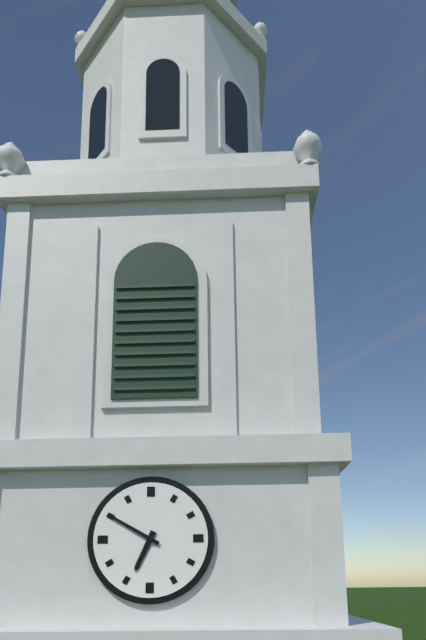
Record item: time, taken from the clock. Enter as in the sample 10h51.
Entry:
6h50
